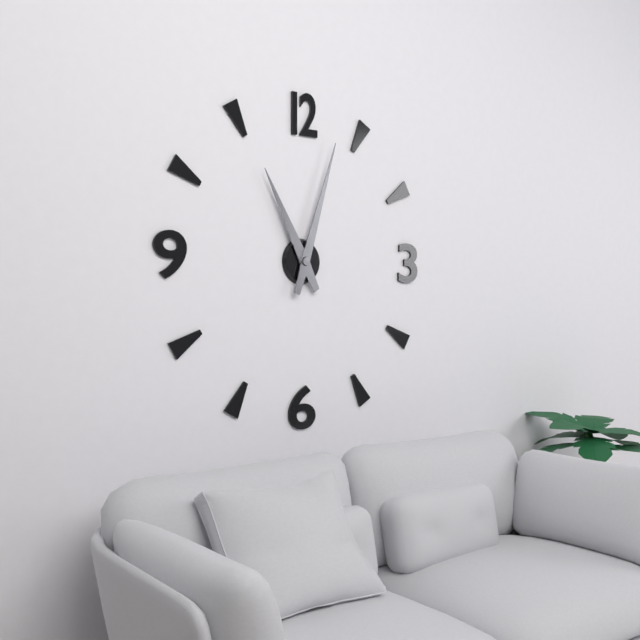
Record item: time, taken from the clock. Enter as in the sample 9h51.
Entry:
11h03
